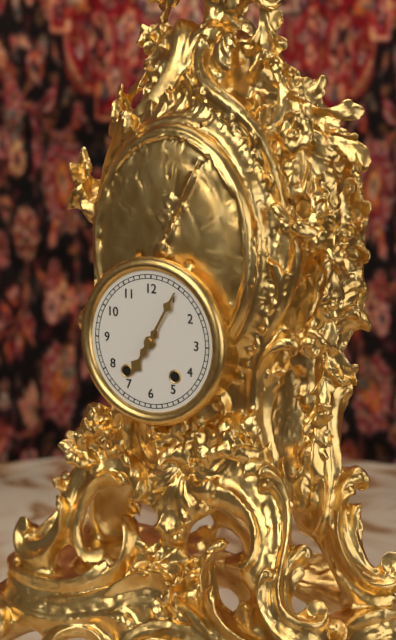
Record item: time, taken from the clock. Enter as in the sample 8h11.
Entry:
7h05
